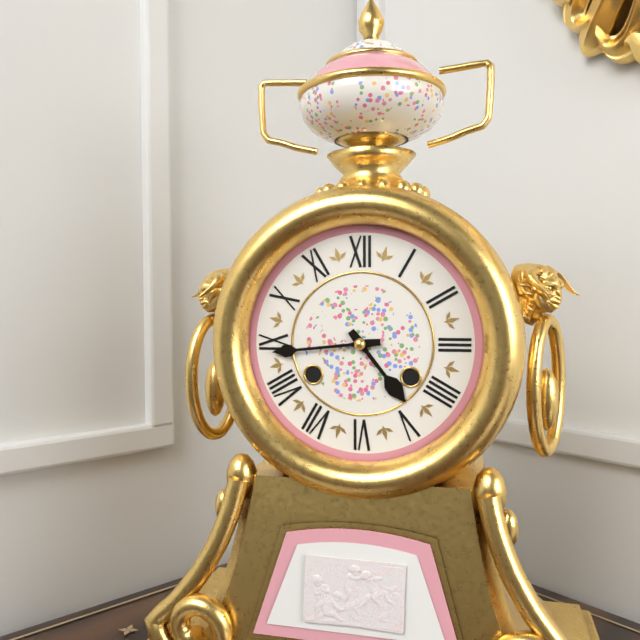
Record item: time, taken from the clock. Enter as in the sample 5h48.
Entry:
4h44
